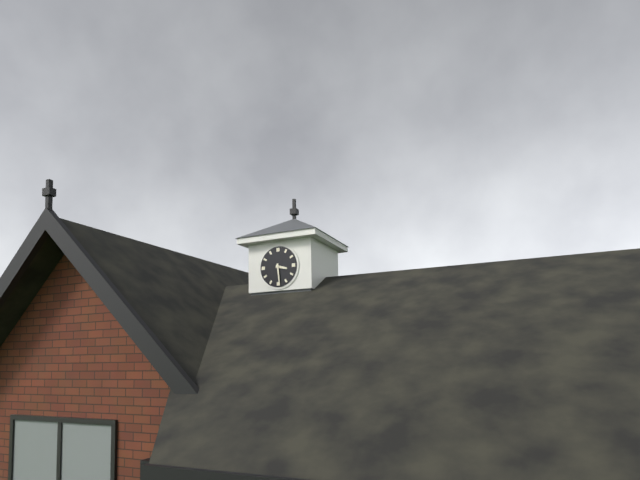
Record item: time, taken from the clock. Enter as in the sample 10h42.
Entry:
3h29
